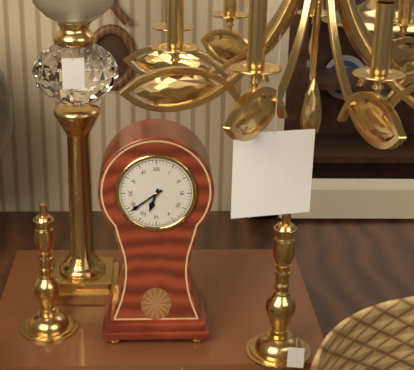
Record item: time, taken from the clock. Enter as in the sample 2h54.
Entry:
6h39
